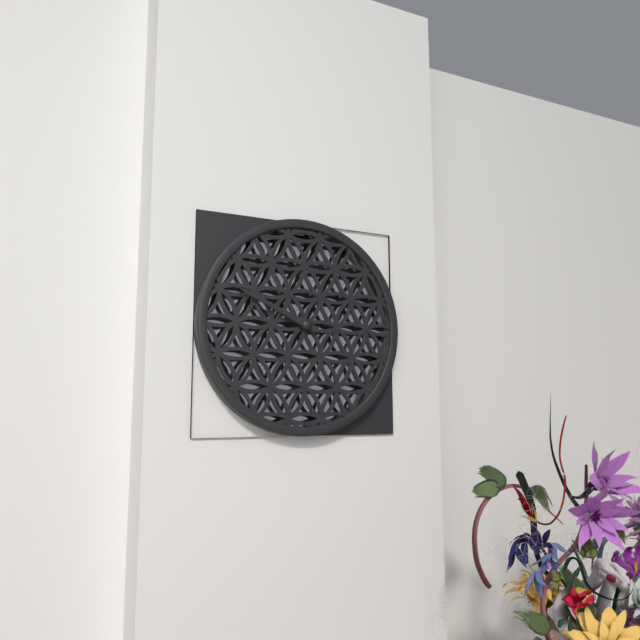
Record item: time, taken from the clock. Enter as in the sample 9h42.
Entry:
9h49
